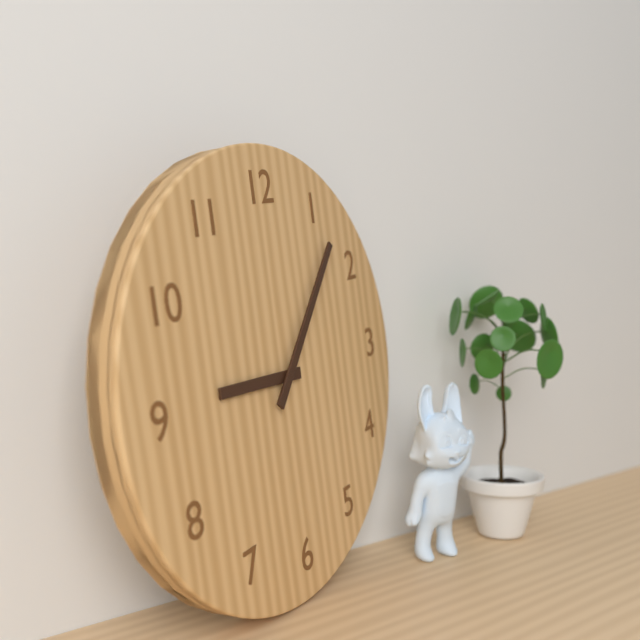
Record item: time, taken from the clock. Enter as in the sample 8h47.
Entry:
9h07
